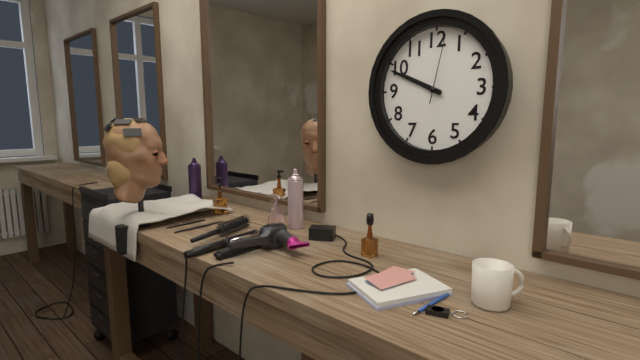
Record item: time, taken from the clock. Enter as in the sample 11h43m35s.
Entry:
9h49m02s
